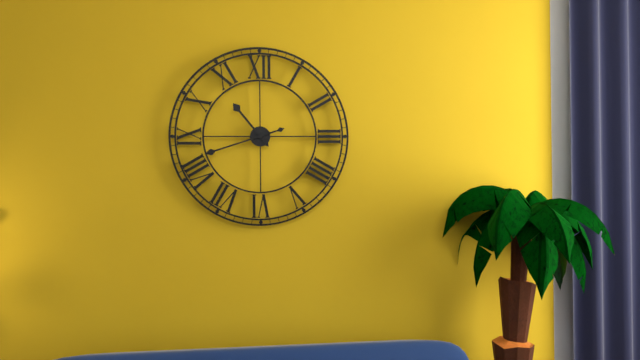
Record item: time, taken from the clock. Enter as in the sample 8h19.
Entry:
10h42
